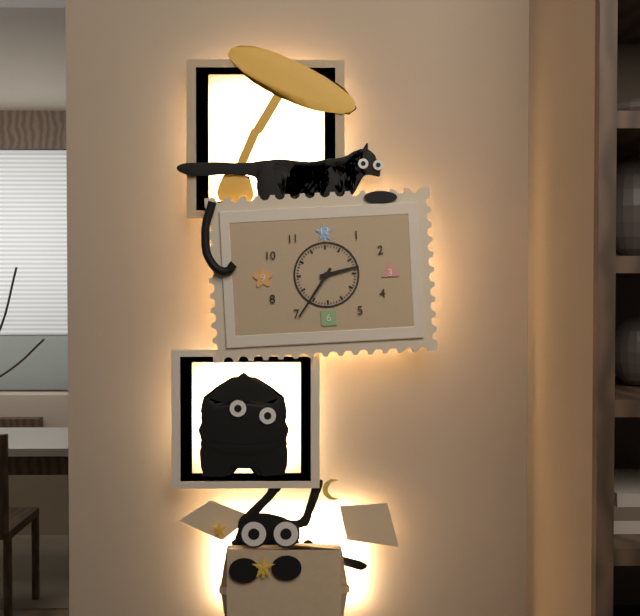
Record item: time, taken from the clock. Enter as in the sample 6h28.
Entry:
2h36
